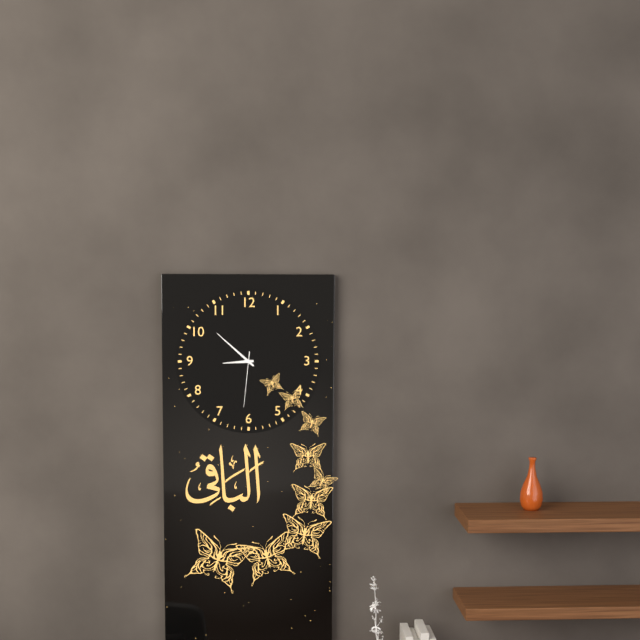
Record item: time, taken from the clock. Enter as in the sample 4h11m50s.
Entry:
8h52m31s
